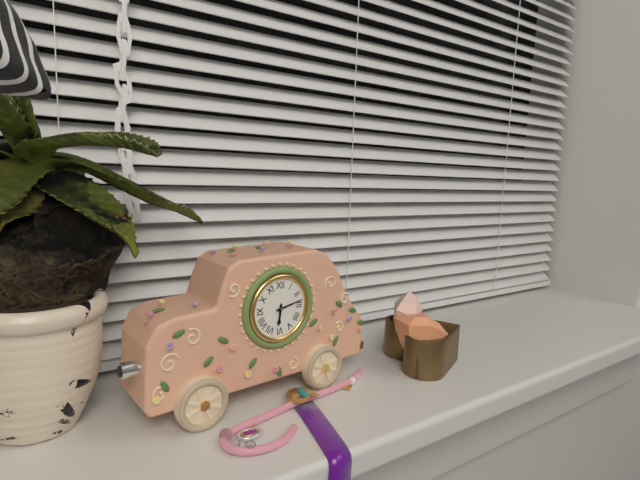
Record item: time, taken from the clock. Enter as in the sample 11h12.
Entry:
6h13
